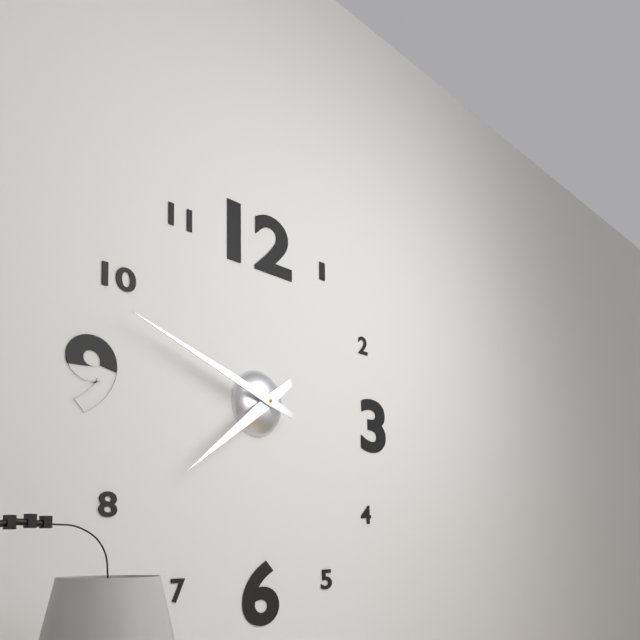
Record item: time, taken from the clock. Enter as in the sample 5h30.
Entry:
7h48
